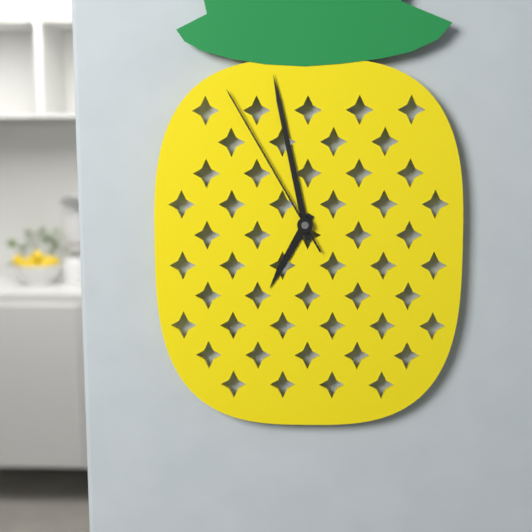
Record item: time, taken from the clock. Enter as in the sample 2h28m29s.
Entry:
6h58m55s
